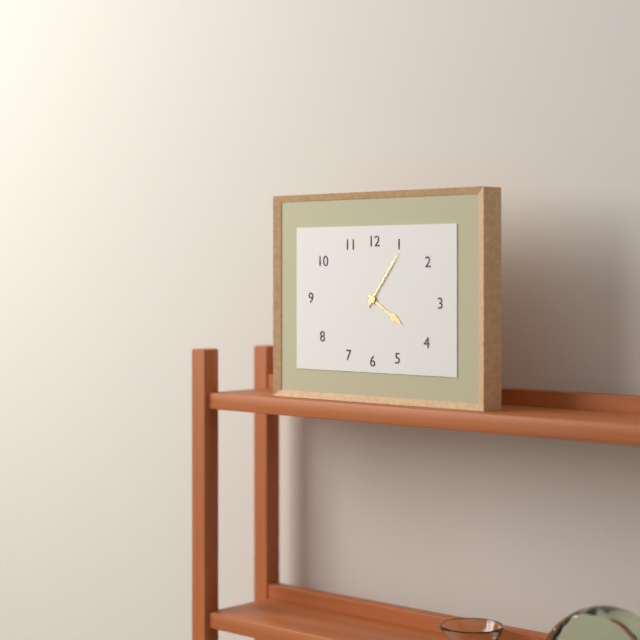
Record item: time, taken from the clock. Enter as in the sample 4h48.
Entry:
4h06
